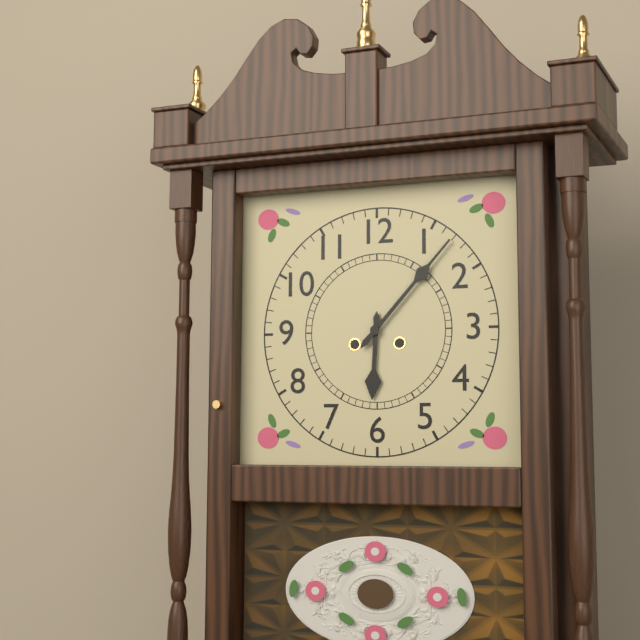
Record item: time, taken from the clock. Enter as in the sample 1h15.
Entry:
6h07
